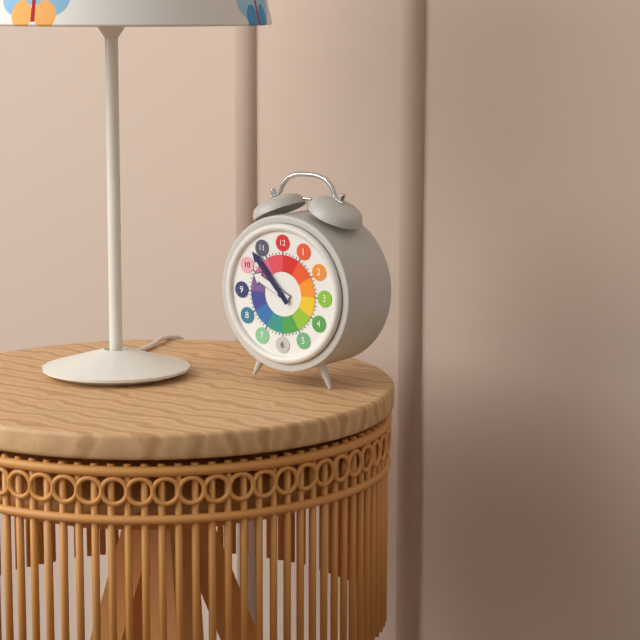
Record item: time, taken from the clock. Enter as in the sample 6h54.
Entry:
9h53
